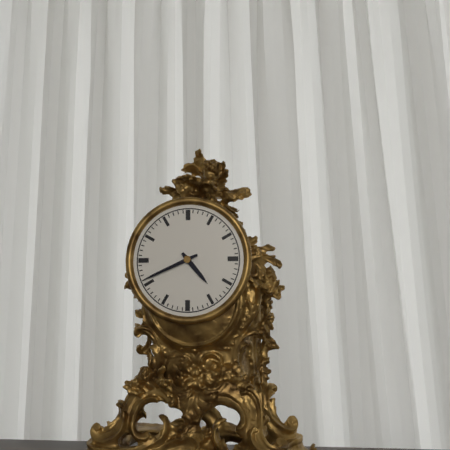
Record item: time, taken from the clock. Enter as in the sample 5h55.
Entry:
4h41
